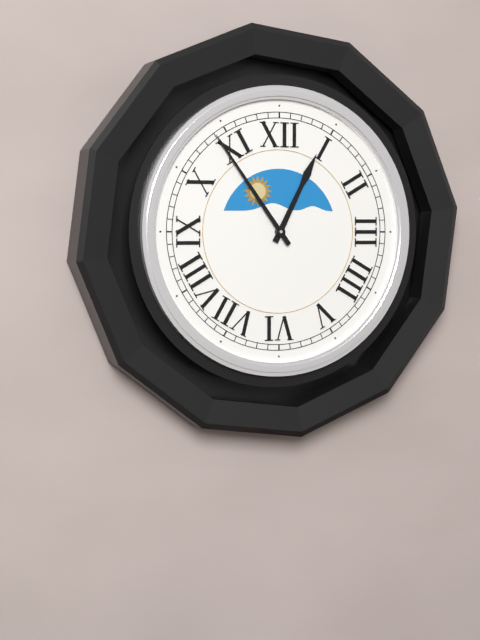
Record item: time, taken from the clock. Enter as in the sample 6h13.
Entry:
12h54
